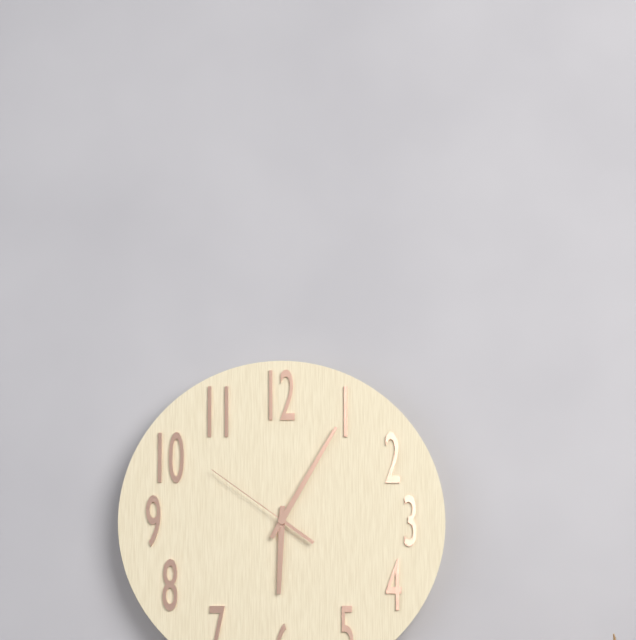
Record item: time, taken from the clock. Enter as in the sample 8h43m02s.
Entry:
6h05m51s
